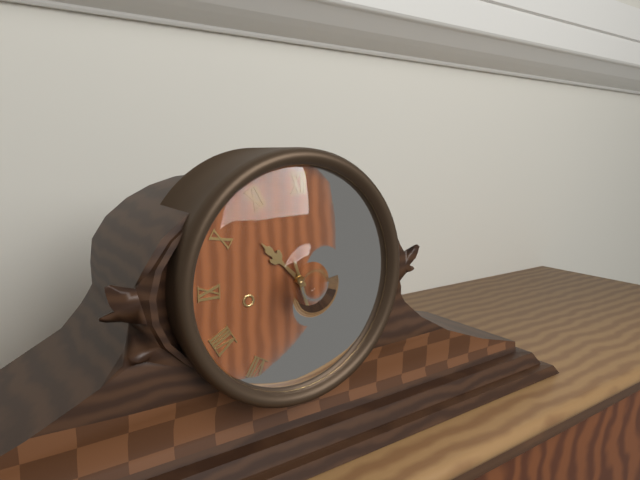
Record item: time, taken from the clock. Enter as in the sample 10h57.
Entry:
10h27
